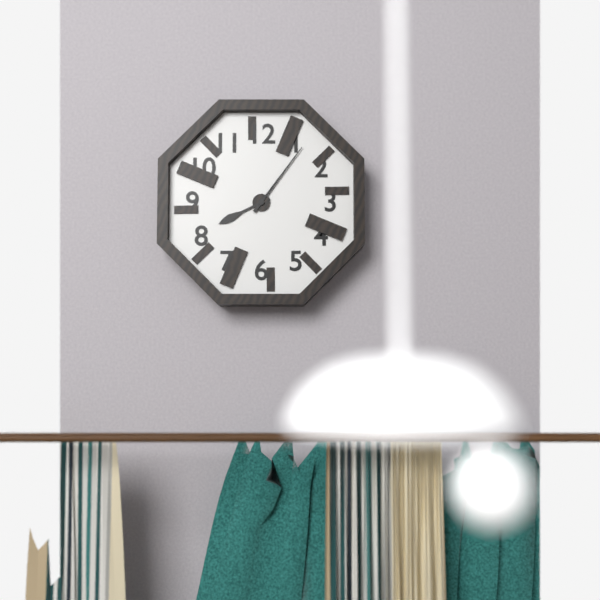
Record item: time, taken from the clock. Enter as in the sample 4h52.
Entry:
8h06
